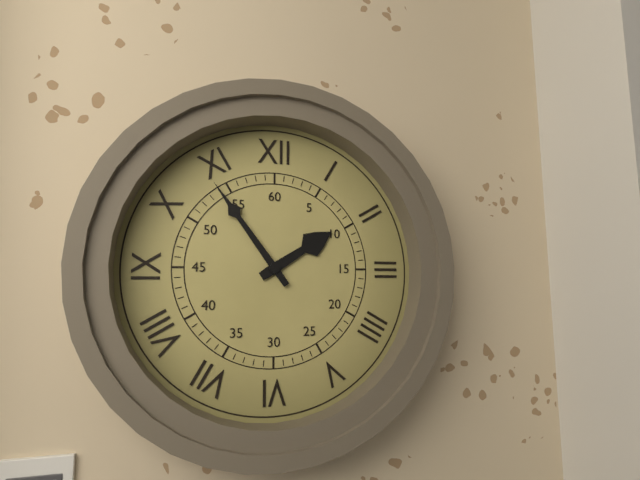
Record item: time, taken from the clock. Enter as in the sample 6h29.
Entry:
1h54
